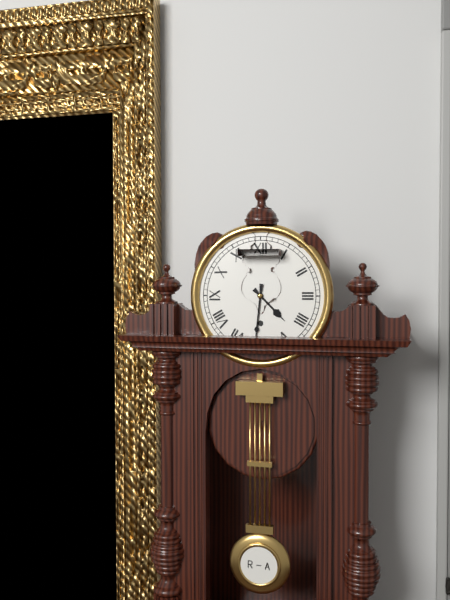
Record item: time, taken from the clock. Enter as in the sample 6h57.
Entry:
4h31
